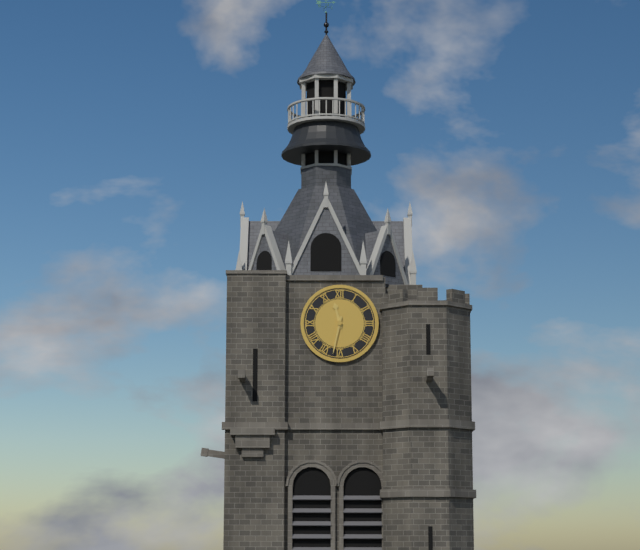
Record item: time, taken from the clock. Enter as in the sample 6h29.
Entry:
11h32
